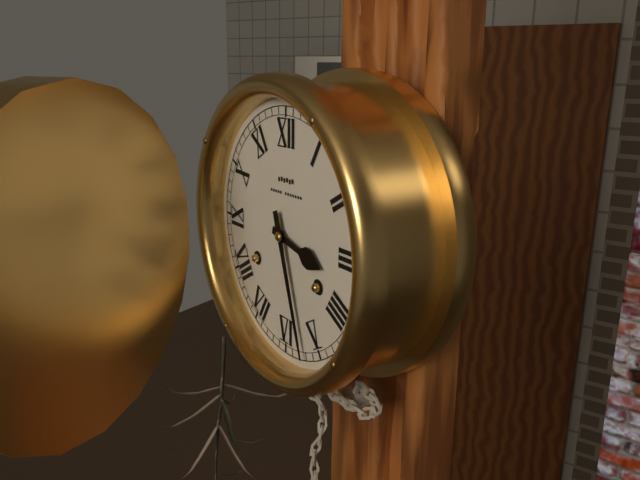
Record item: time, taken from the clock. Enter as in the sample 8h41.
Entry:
3h27
